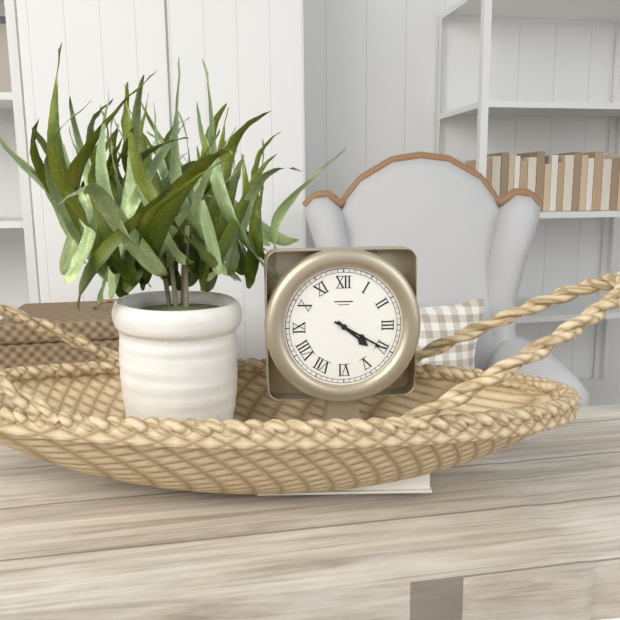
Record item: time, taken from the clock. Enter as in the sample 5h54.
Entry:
4h20
